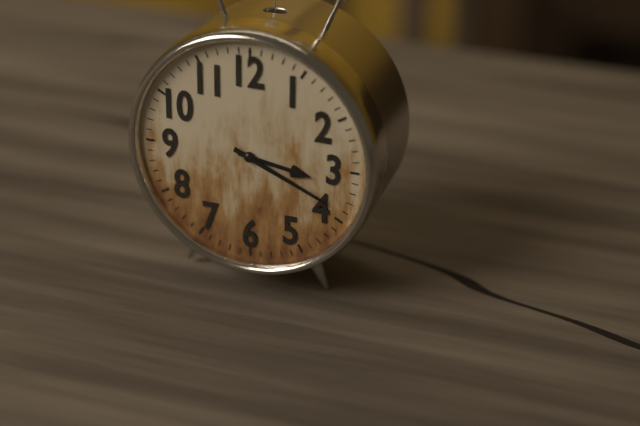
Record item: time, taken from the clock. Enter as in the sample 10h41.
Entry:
3h19
